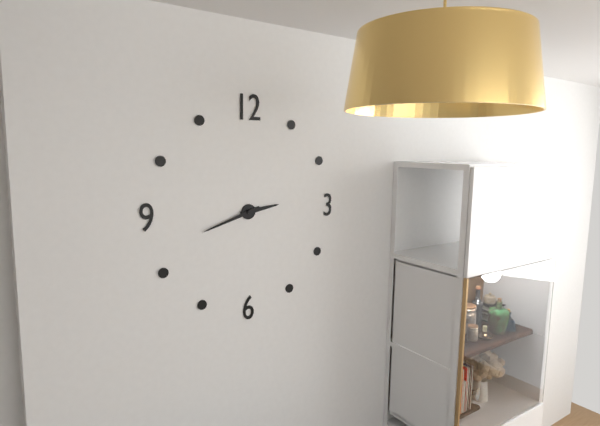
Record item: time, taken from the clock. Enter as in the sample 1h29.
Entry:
2h42
